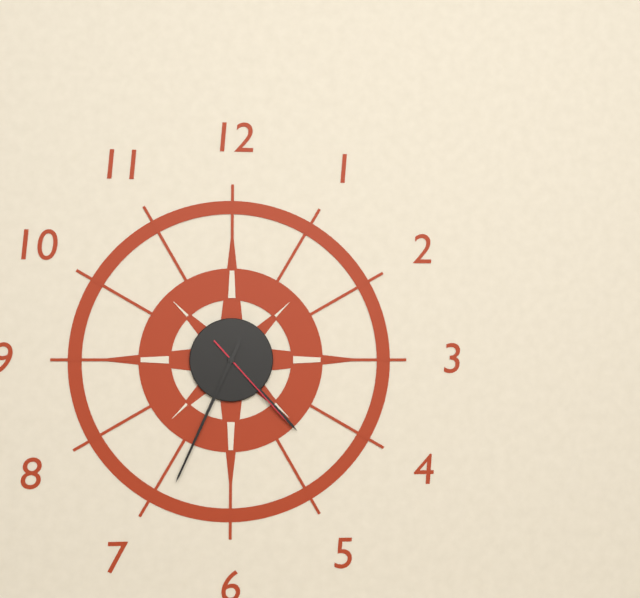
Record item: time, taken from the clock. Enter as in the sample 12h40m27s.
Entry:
4h34m23s
